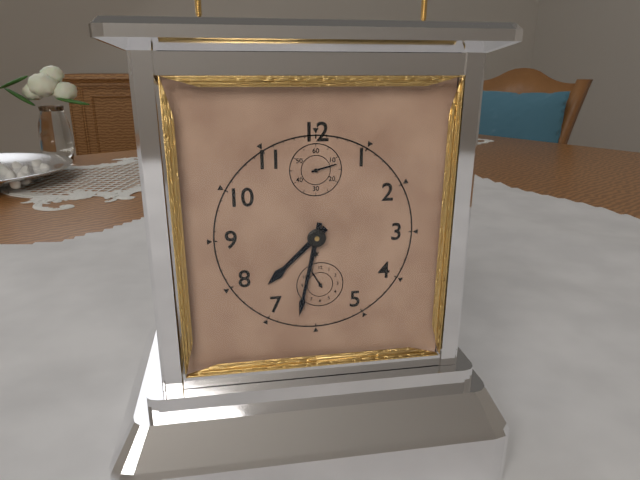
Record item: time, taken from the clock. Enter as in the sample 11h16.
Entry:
7h32
